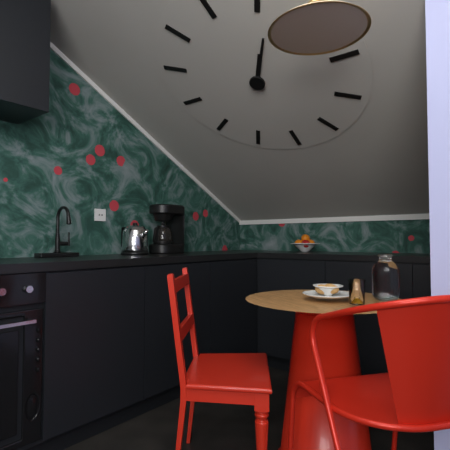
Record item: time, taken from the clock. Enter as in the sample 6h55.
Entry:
1h06
